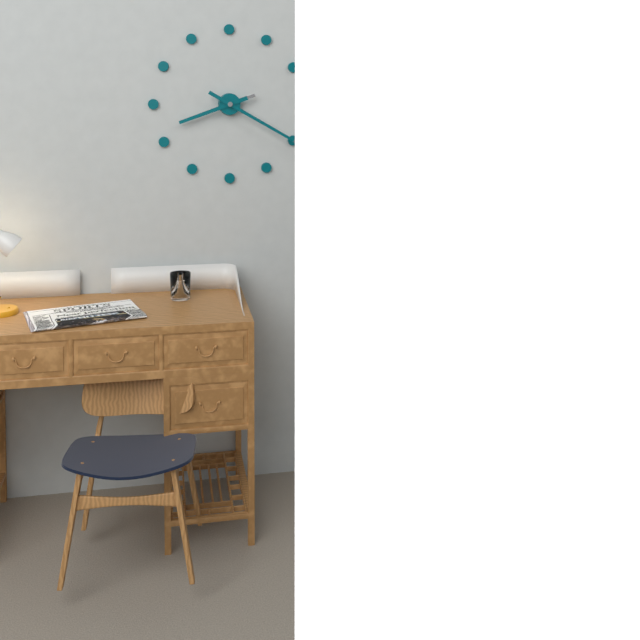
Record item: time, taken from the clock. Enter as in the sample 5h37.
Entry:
8h20
